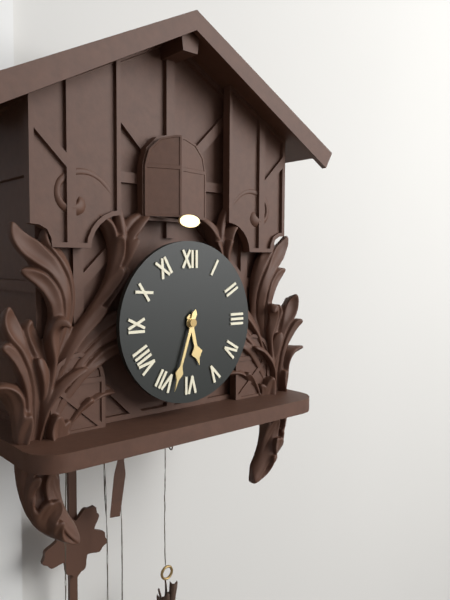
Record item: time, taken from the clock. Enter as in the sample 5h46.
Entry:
5h33
